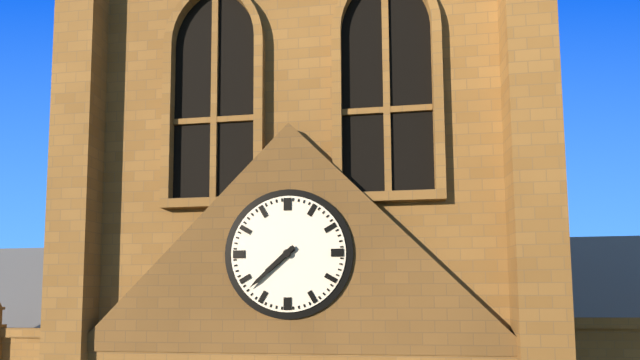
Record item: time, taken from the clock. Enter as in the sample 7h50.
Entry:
7h38
